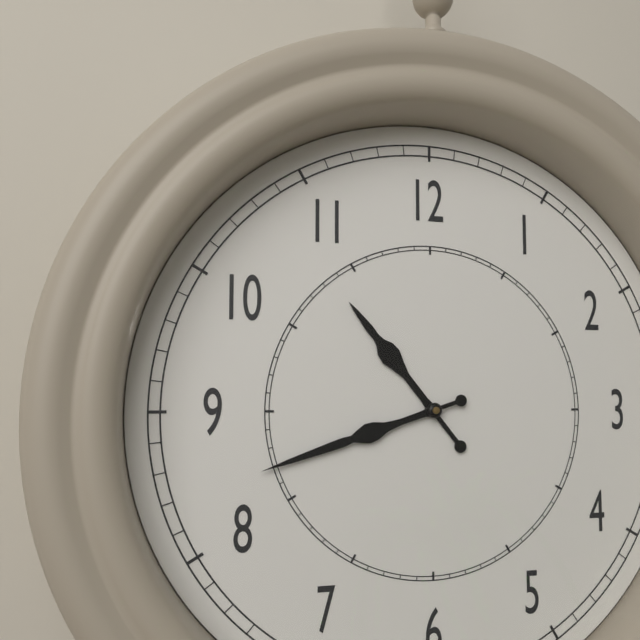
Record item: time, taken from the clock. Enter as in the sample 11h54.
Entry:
10h42
